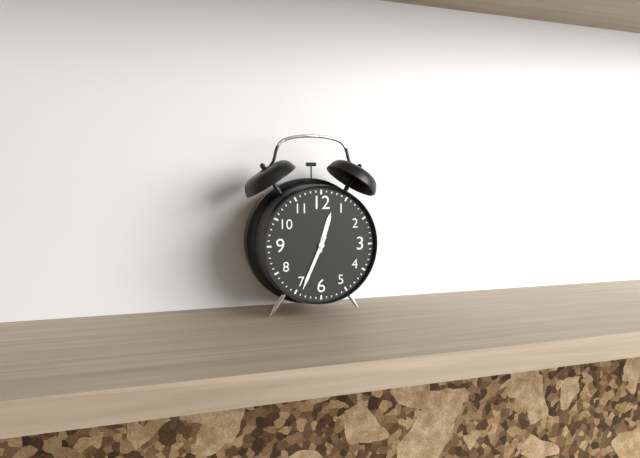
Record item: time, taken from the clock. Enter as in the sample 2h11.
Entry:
12h34
